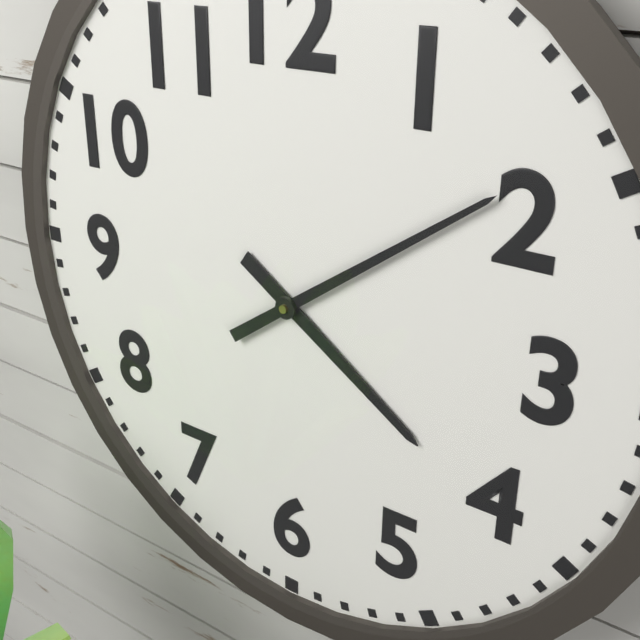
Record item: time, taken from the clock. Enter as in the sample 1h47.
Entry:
4h09
